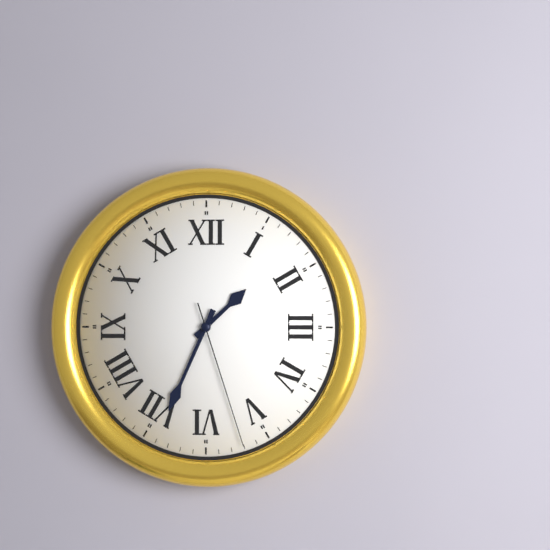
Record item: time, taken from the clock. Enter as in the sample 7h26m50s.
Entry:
1h34m27s
